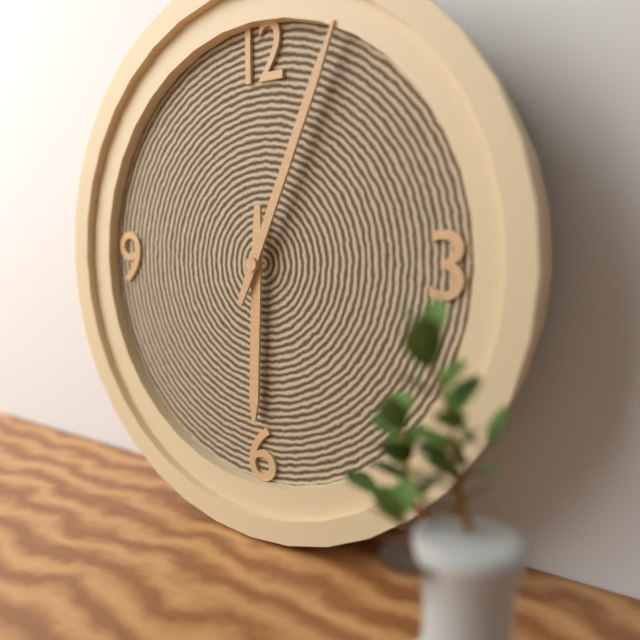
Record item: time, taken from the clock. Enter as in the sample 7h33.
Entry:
6h04
